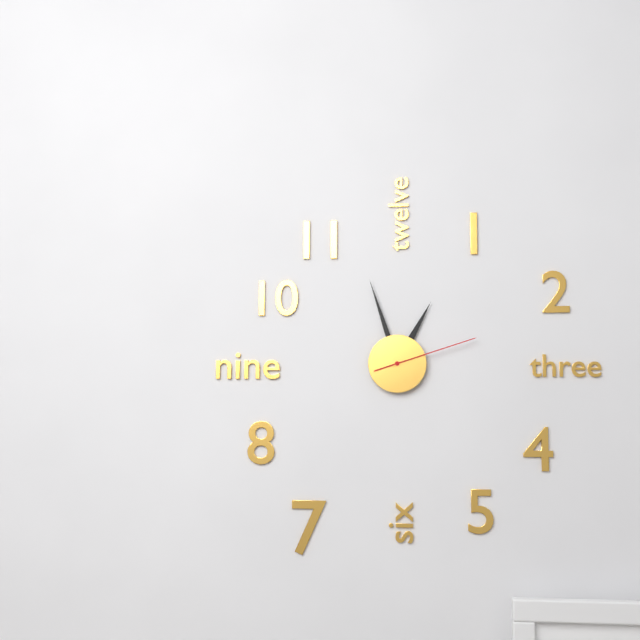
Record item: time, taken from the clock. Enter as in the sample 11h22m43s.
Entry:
12h57m12s
